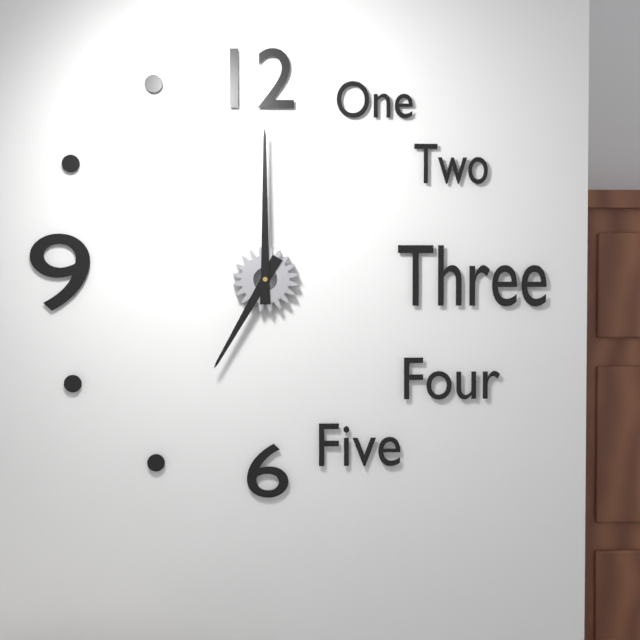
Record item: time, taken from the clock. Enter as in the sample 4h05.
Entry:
7h00
